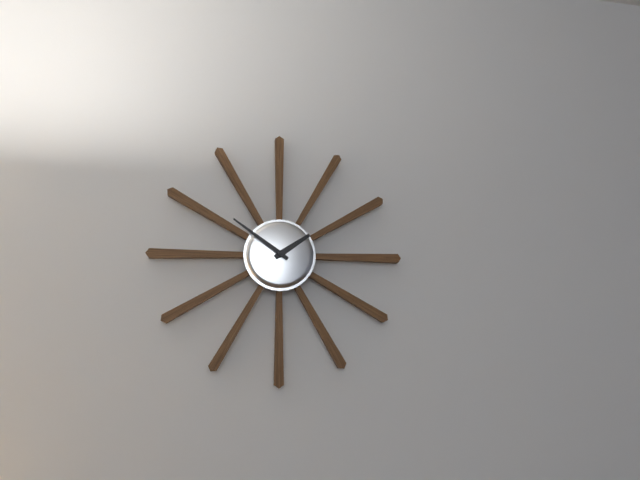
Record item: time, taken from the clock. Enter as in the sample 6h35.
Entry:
1h51
